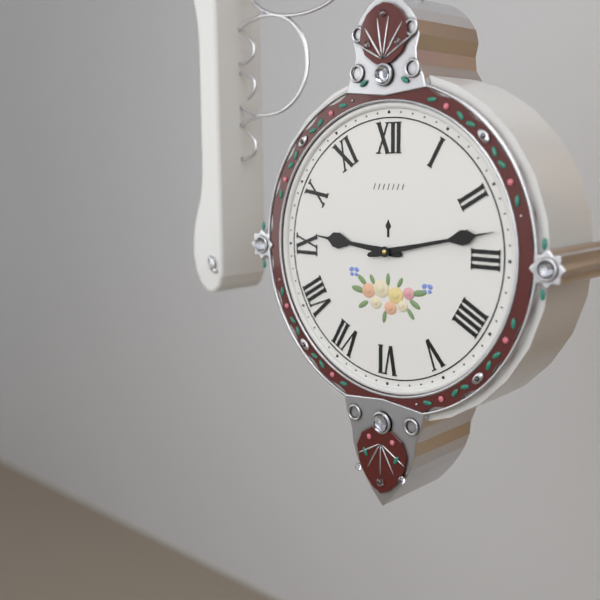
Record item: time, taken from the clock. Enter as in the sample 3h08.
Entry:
9h13
